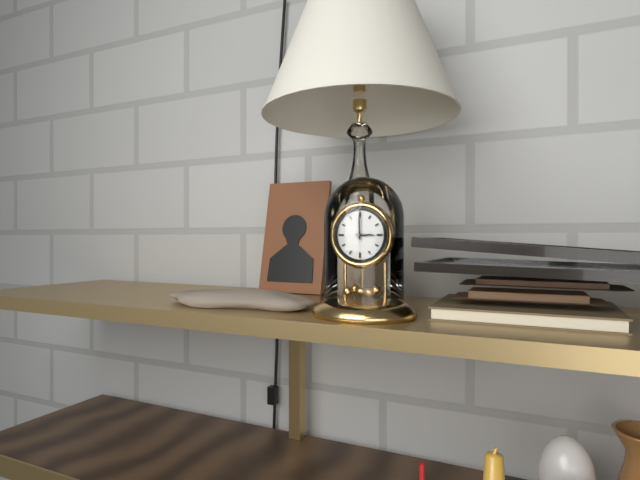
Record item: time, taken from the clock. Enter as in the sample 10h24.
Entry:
3h00
